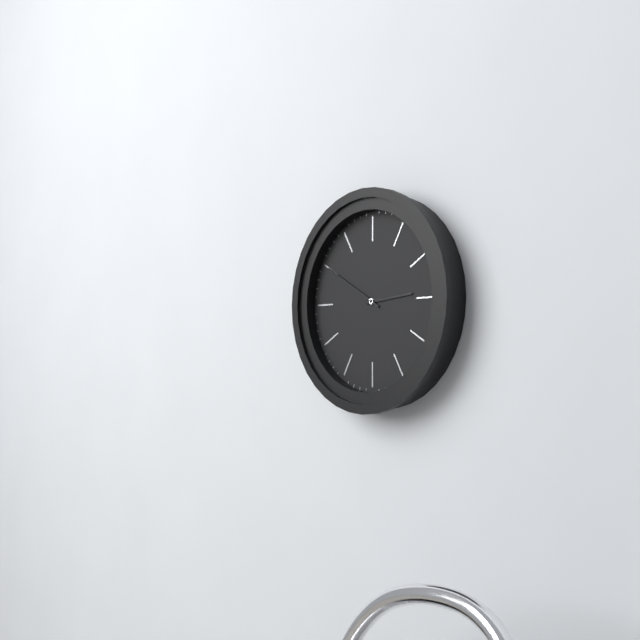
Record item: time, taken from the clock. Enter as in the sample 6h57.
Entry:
2h50
